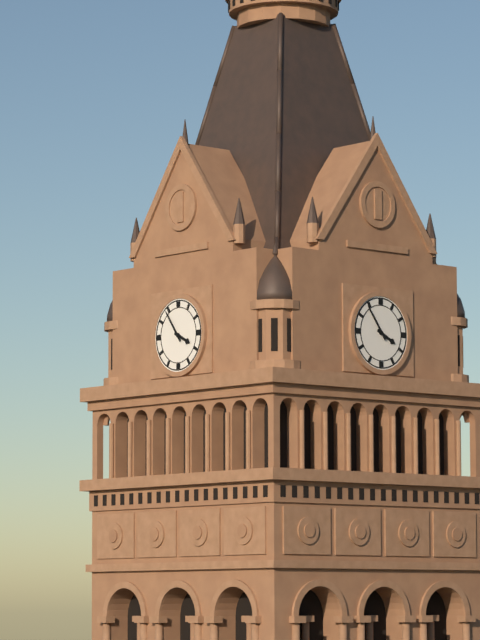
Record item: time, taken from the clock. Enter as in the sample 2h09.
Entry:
3h54
